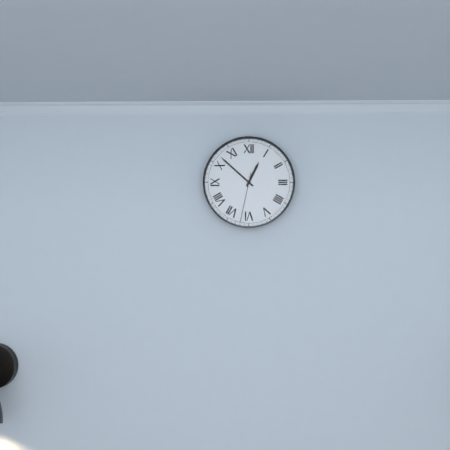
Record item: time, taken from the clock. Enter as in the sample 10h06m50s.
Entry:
12h52m32s
